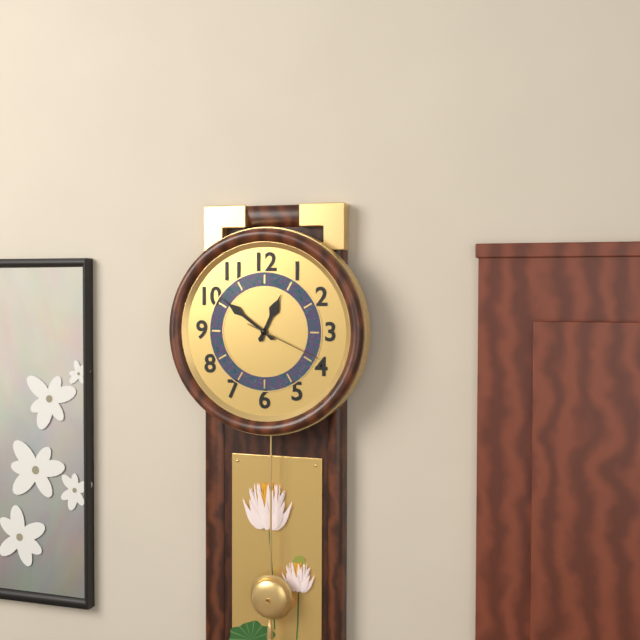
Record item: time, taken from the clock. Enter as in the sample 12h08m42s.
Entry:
12h51m19s
